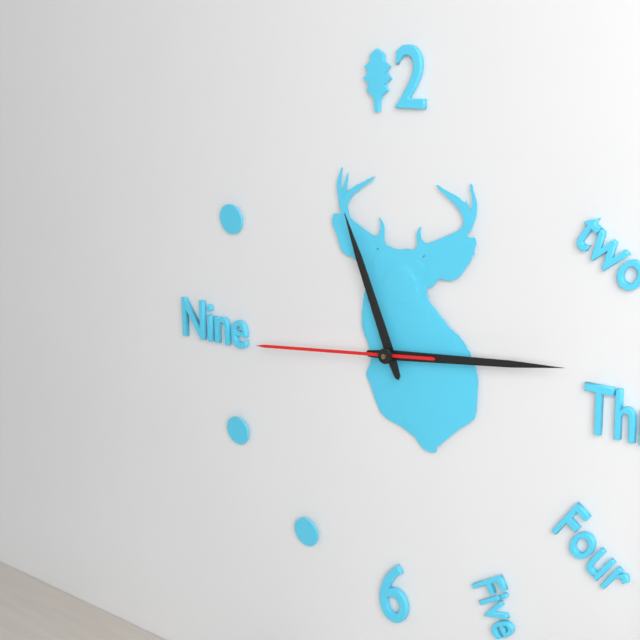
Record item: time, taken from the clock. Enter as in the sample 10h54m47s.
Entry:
11h14m44s
